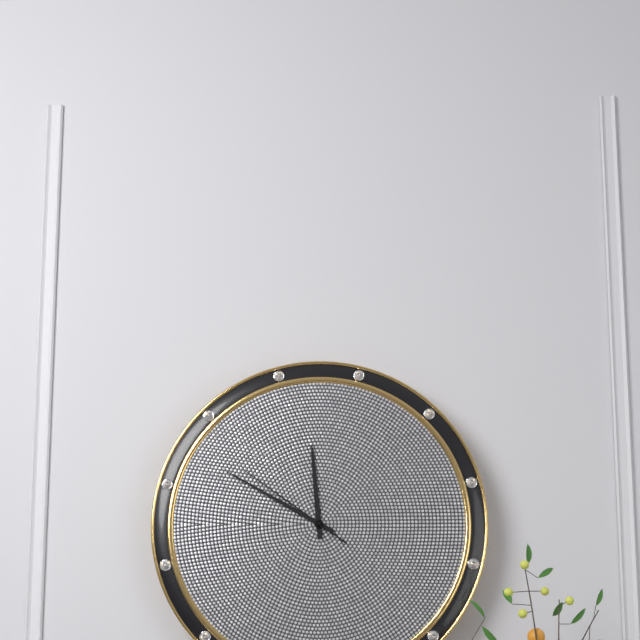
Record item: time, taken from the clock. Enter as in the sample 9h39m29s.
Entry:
11h50m51s
